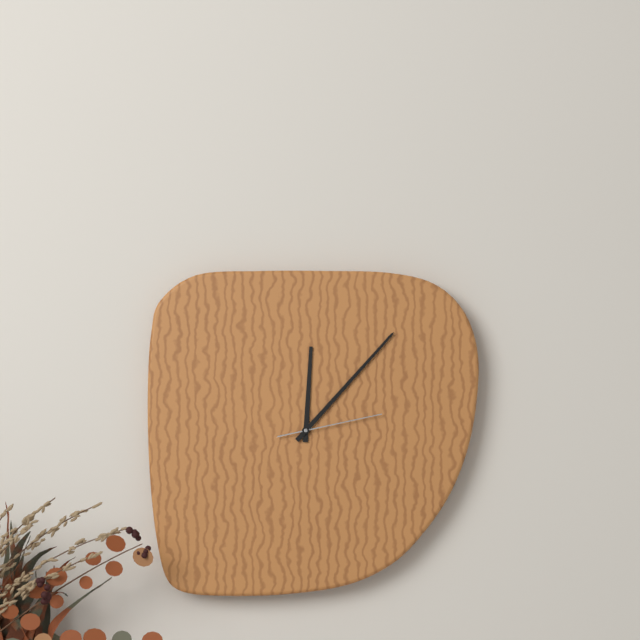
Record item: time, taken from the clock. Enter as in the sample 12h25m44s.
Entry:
12h07m13s
